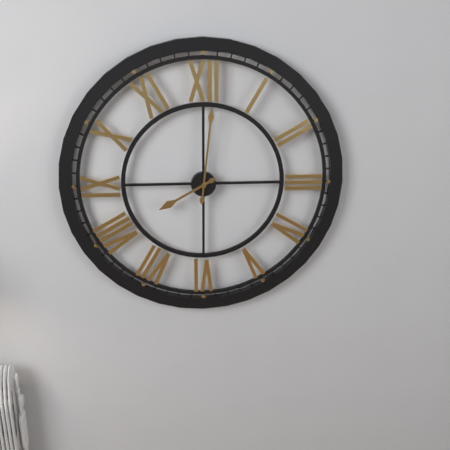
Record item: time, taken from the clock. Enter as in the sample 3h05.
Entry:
8h01
